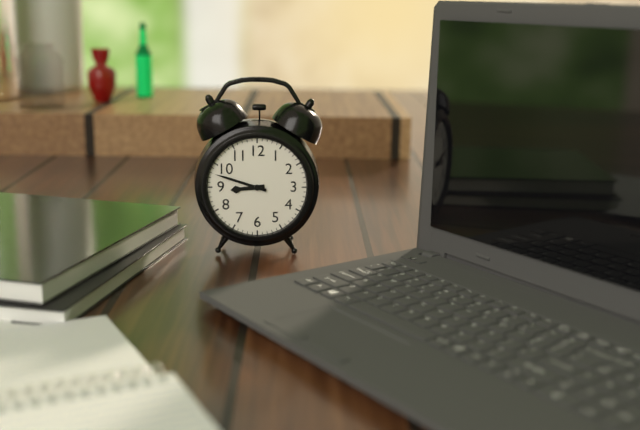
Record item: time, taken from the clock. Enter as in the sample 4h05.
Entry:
8h48
